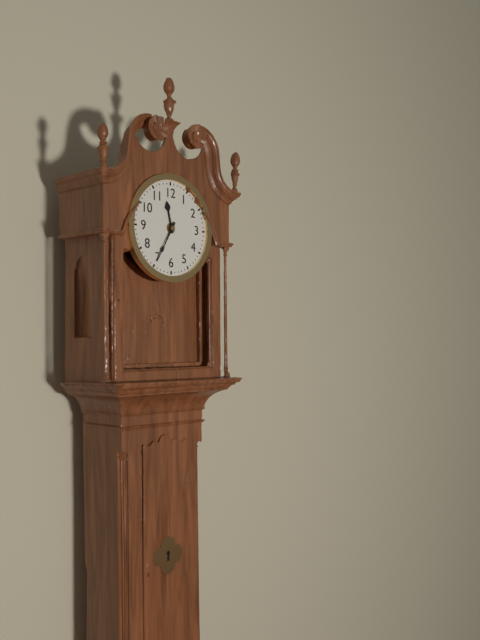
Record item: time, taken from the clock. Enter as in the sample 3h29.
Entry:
11h35
